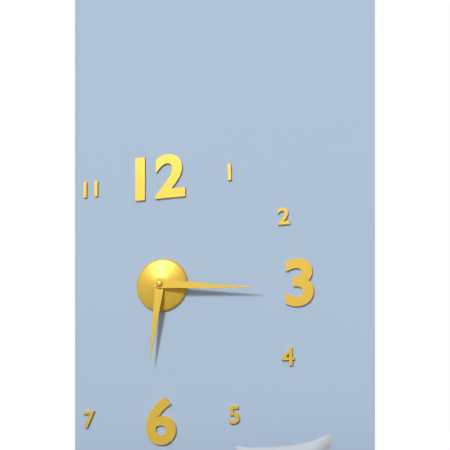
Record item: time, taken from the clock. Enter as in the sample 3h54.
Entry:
6h16
